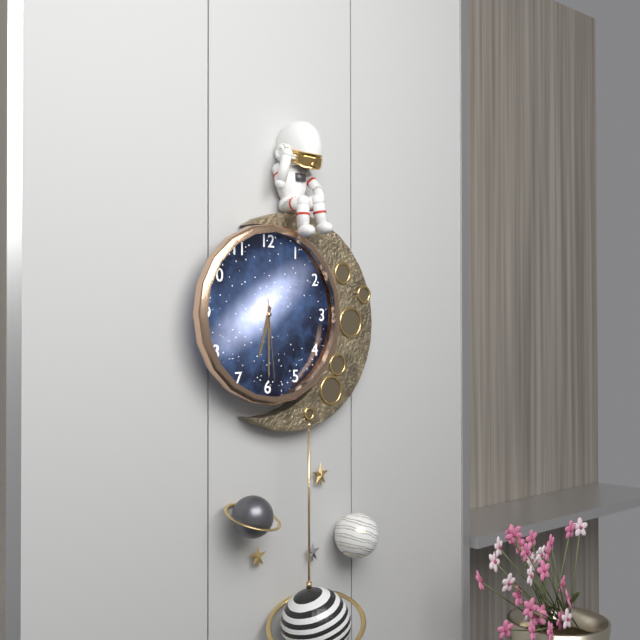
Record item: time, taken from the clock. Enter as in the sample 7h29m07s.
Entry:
6h30m29s
